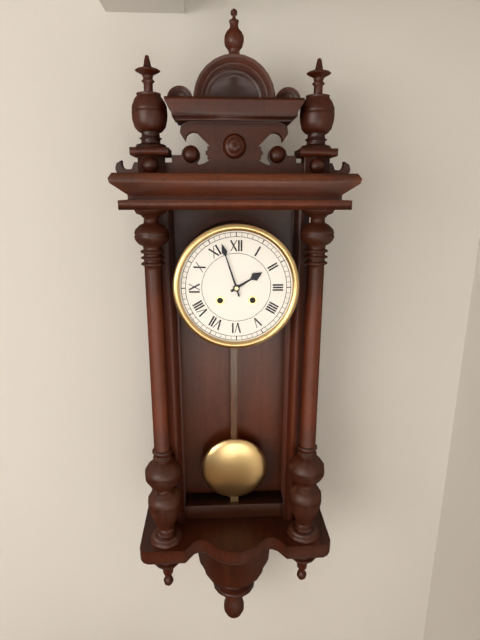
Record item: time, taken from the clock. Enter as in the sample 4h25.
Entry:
1h57
